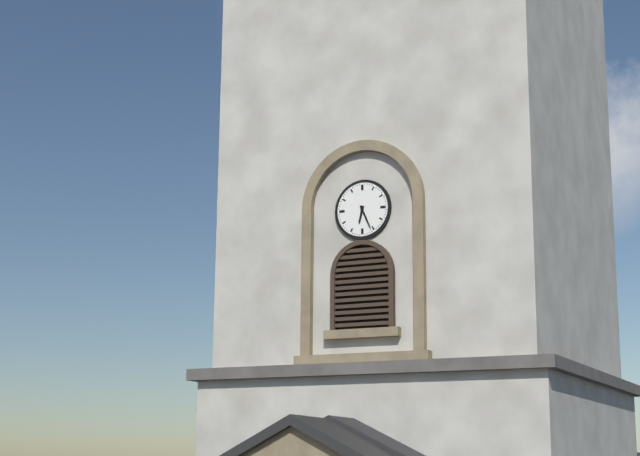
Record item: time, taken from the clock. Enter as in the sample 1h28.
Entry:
6h26
